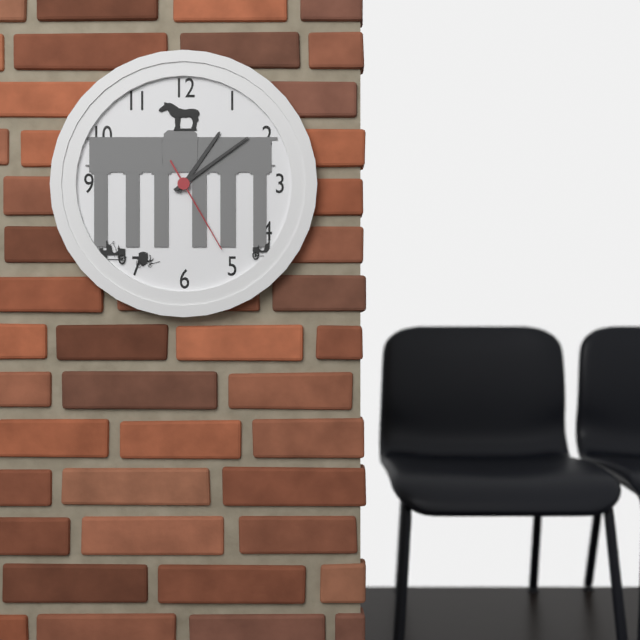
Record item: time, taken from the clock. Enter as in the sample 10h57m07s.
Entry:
1h09m25s
